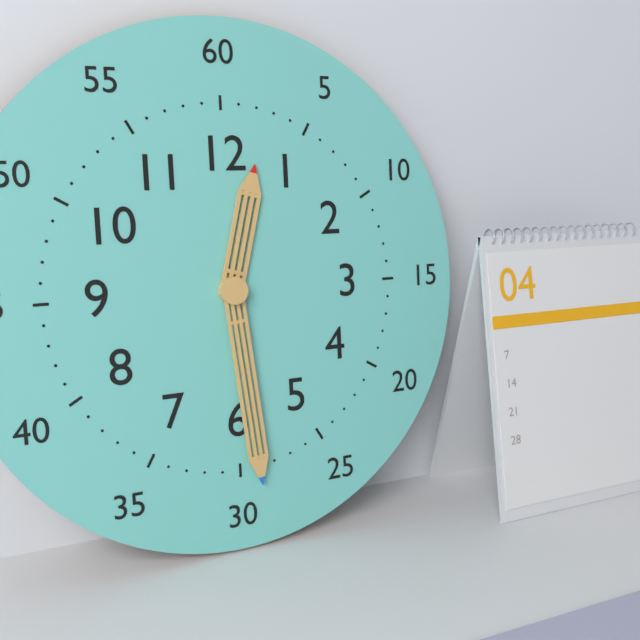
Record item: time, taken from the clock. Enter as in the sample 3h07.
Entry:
12h29
